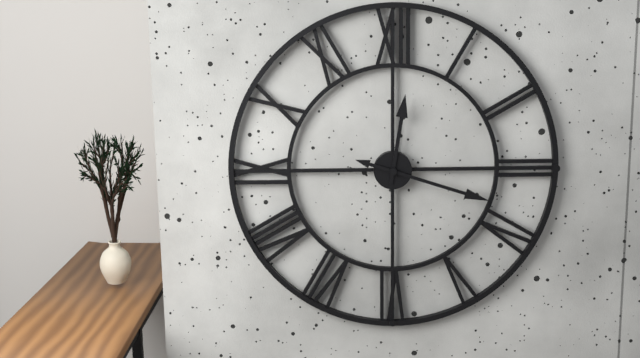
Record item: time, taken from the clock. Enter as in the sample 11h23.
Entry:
12h18
